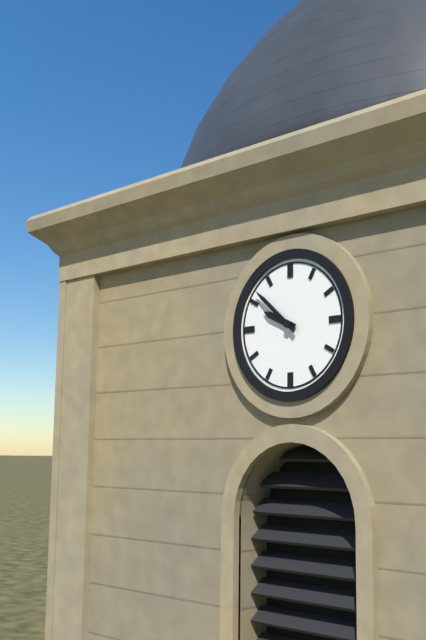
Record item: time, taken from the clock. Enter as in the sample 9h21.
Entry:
9h52
